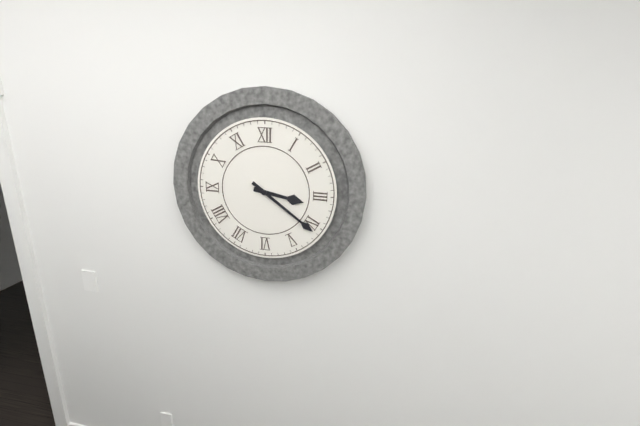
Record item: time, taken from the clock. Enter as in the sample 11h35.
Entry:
3h21
